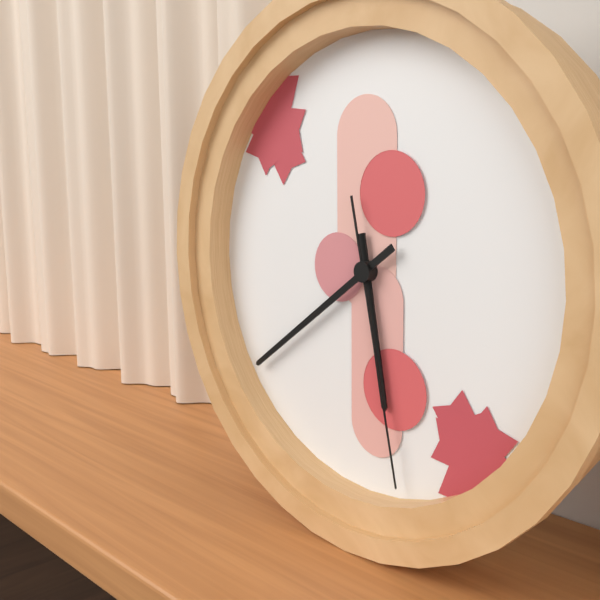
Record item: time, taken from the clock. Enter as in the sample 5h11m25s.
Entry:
5h39m28s
